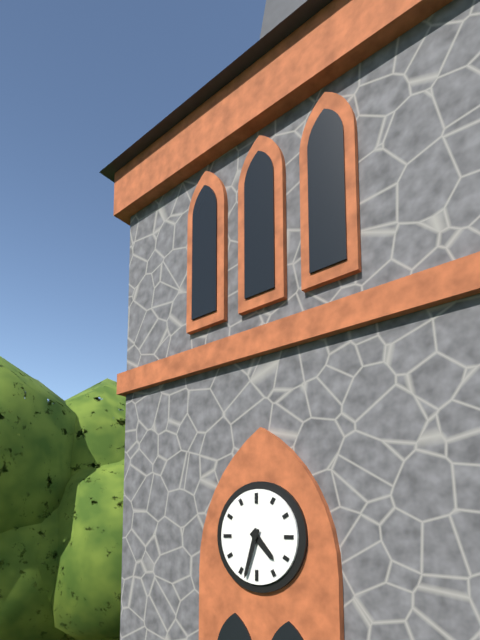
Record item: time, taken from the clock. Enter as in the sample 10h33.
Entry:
4h33
